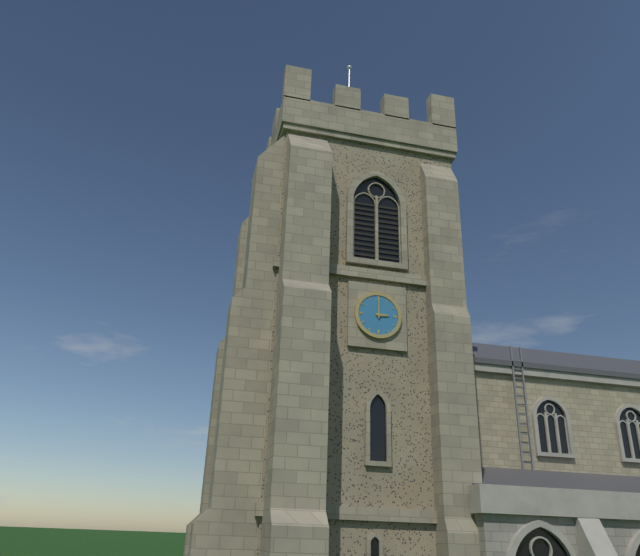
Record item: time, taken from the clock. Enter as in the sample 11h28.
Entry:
3h00
